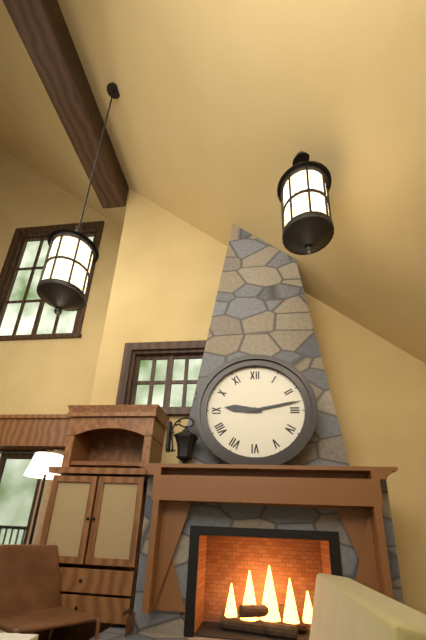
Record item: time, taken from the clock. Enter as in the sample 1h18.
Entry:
9h13
